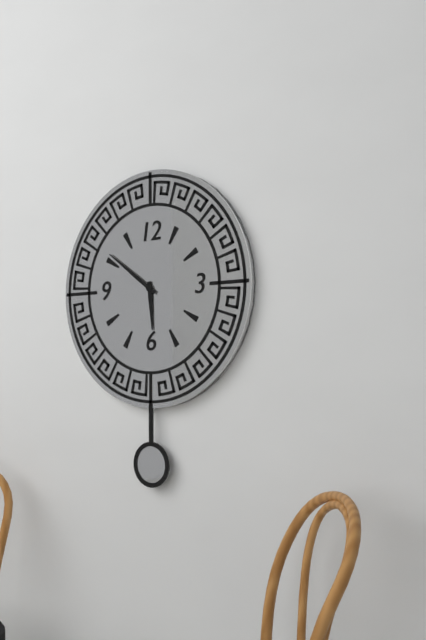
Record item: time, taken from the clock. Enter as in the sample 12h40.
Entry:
5h51
